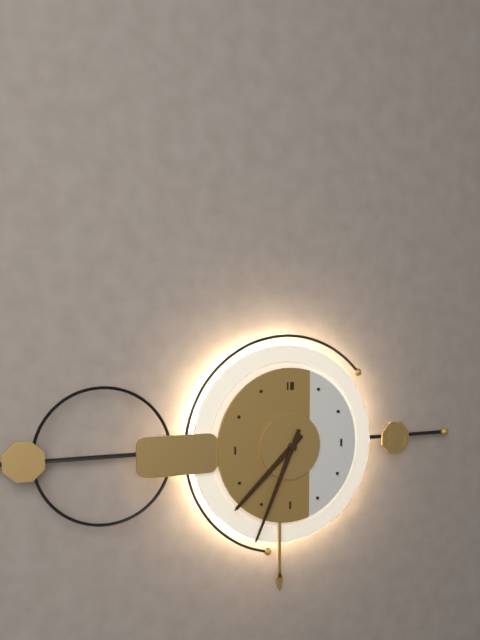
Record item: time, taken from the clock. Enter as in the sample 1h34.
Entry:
7h34
